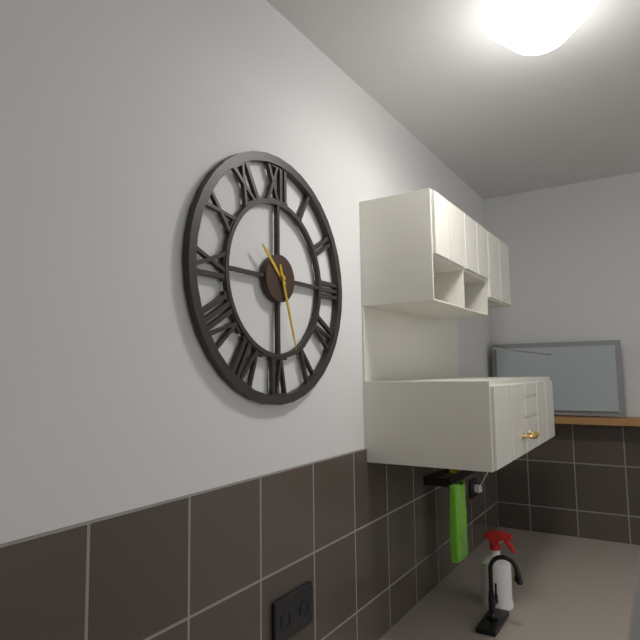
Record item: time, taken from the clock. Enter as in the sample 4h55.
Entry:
10h27
